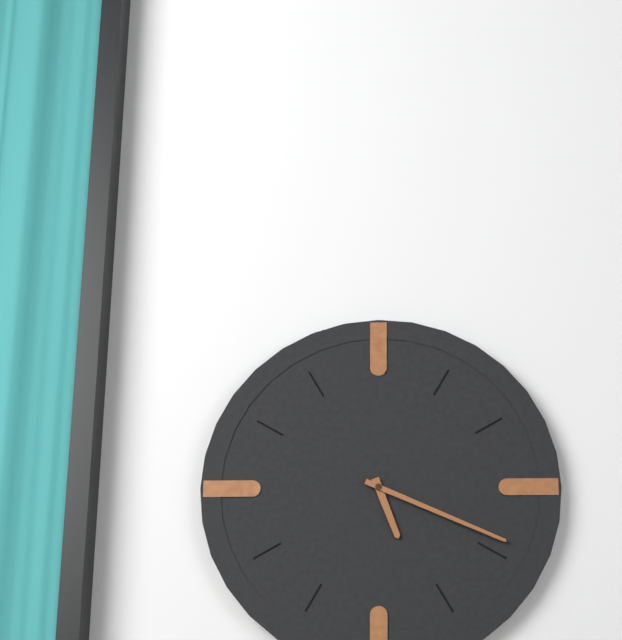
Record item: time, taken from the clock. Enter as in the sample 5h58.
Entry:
5h19
